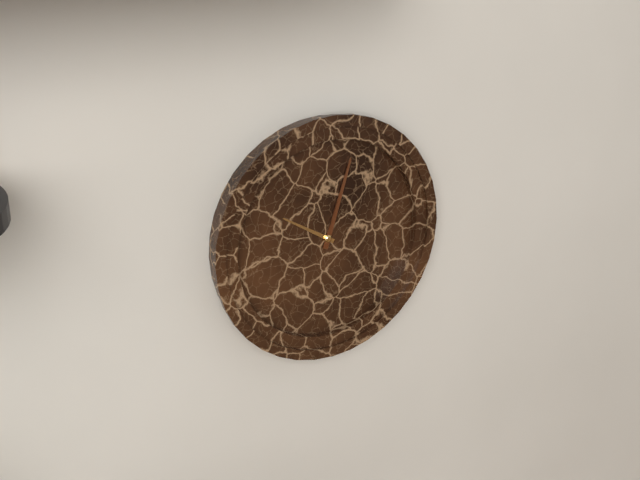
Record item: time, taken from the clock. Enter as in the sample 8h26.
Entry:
10h03
